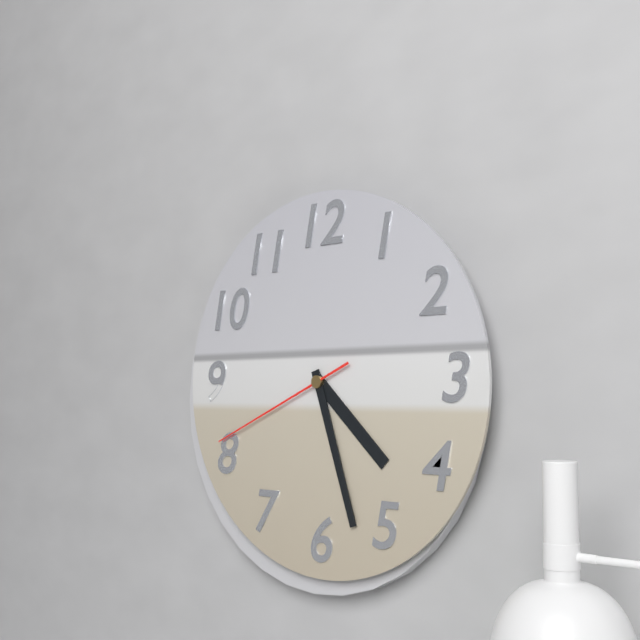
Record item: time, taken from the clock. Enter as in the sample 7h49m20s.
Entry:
4h27m41s
